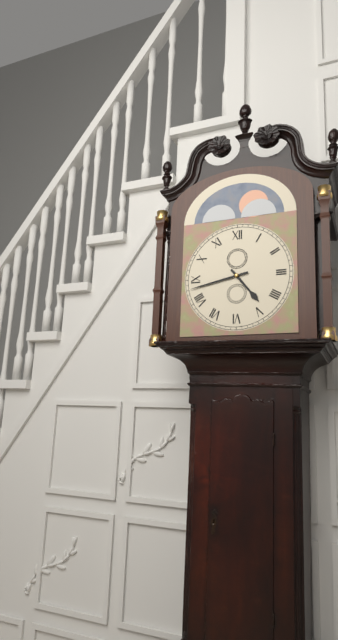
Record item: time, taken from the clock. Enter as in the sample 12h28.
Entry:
4h43
